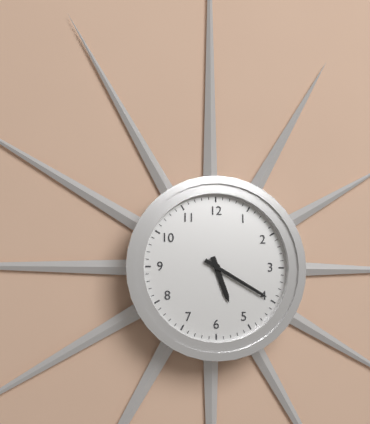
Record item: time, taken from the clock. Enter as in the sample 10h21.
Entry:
5h20
